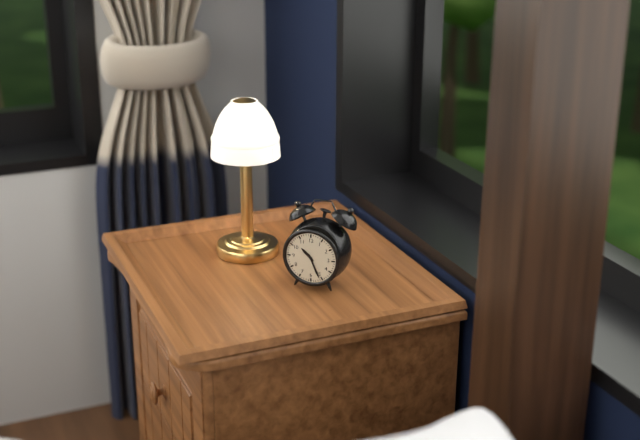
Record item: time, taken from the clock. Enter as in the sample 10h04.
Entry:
10h26
